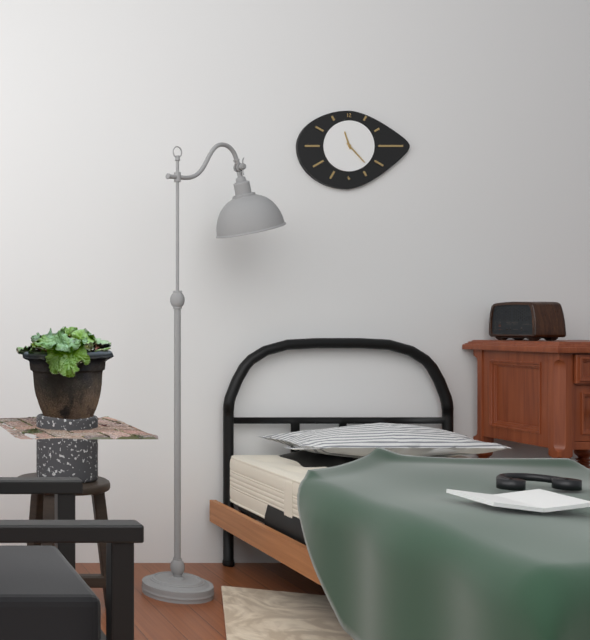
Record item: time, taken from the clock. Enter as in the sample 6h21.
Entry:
11h23
